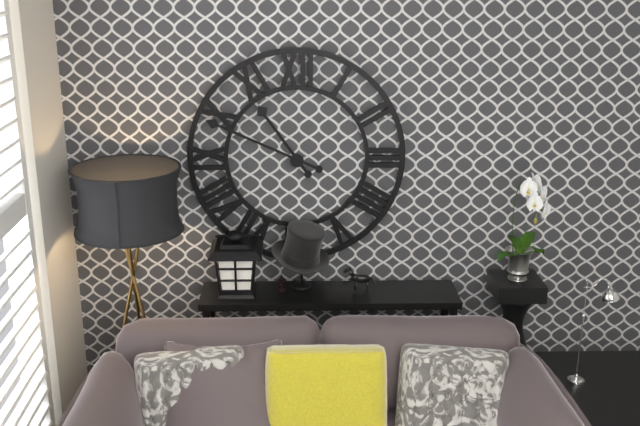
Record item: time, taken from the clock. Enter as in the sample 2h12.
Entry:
10h49
